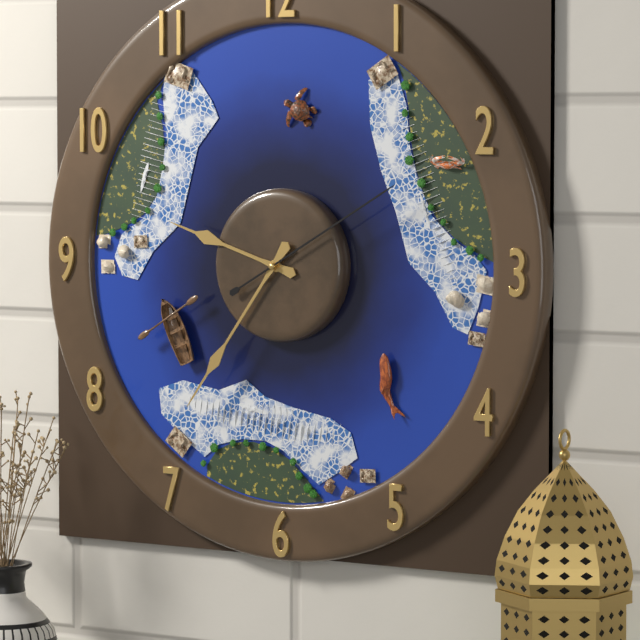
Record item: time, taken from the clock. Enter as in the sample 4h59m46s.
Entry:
9h36m10s
